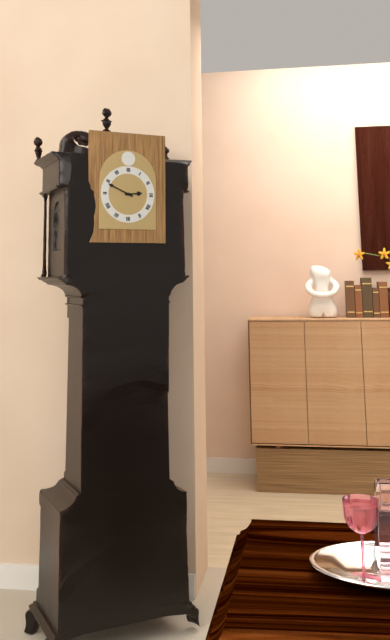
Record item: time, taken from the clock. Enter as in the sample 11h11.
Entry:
2h49
